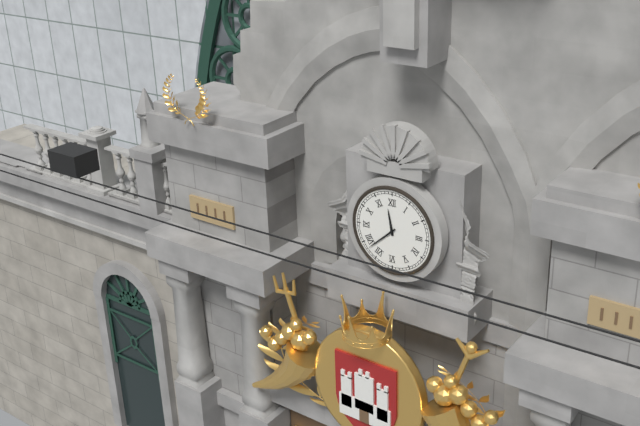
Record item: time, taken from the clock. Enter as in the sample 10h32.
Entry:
11h38
